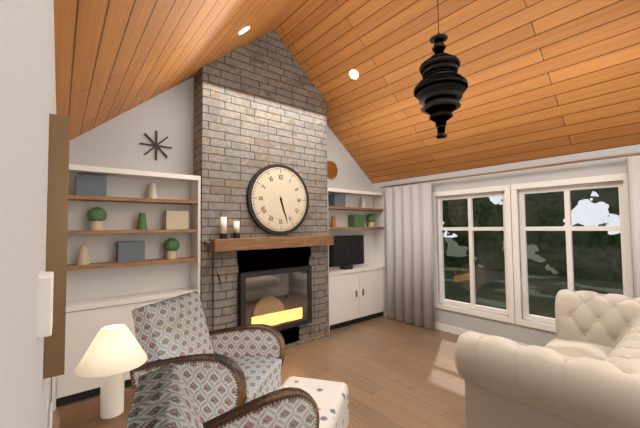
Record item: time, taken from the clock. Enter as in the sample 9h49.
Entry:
5h27
